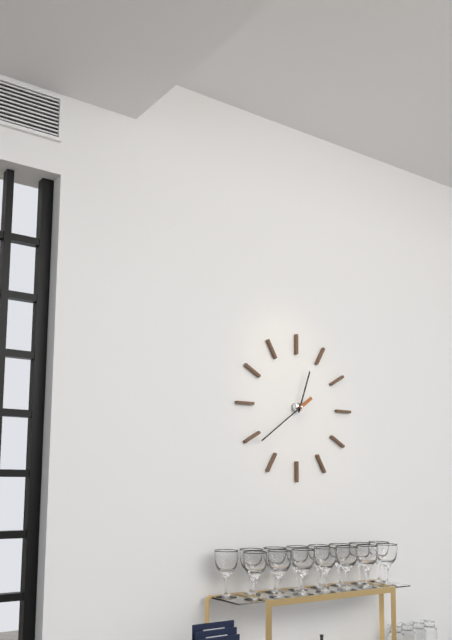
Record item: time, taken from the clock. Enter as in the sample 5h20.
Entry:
12h39
